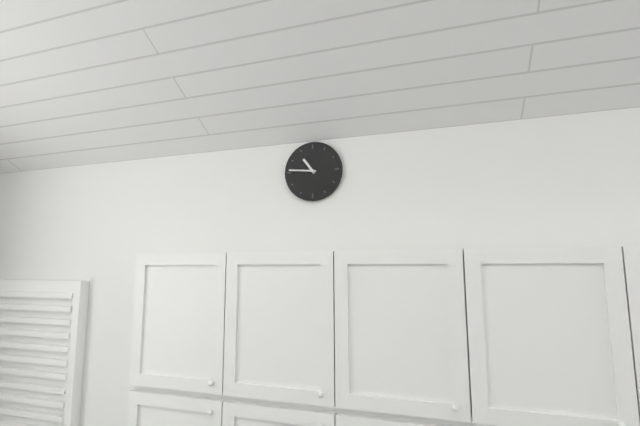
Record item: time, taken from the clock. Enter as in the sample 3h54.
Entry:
10h46
